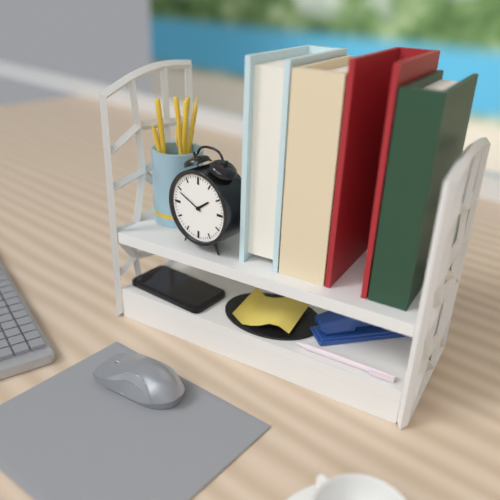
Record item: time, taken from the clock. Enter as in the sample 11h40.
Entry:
1h49
